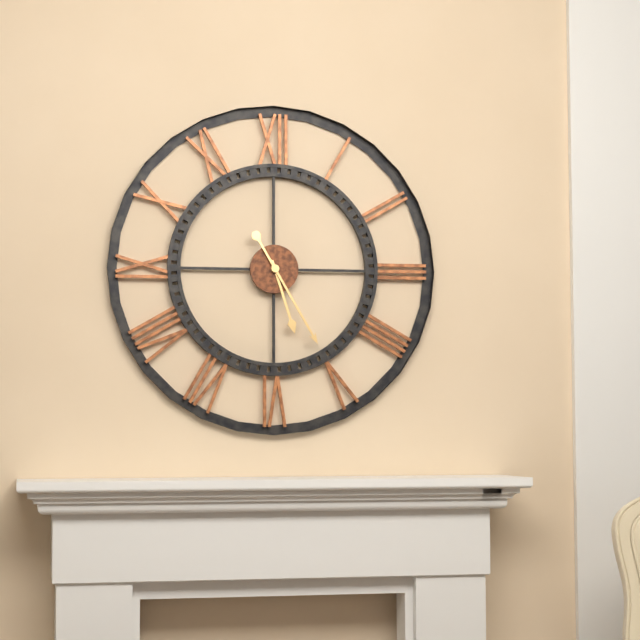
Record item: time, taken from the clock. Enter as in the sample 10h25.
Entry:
5h25
